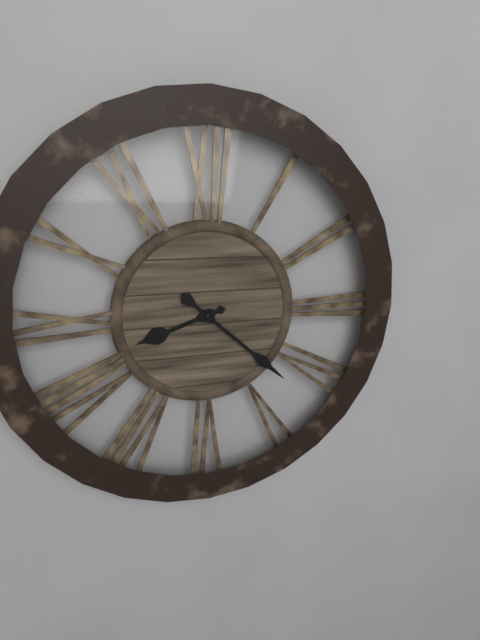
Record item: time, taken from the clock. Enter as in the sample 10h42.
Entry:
8h22
